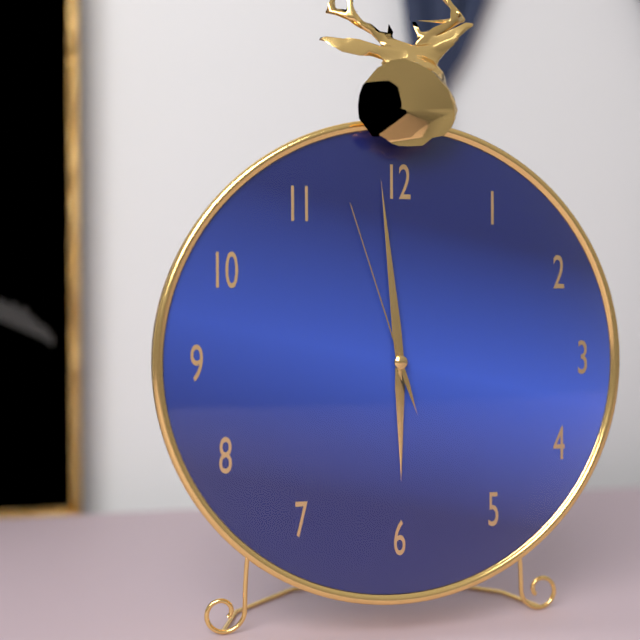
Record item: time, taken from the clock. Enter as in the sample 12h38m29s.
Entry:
5h59m57s
